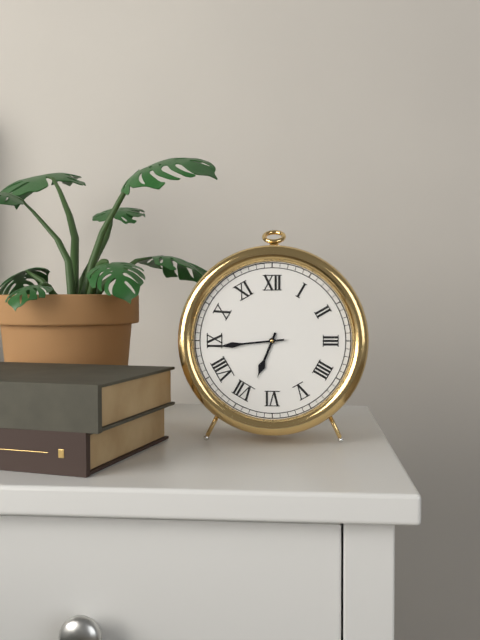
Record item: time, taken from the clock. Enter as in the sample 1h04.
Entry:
6h44
